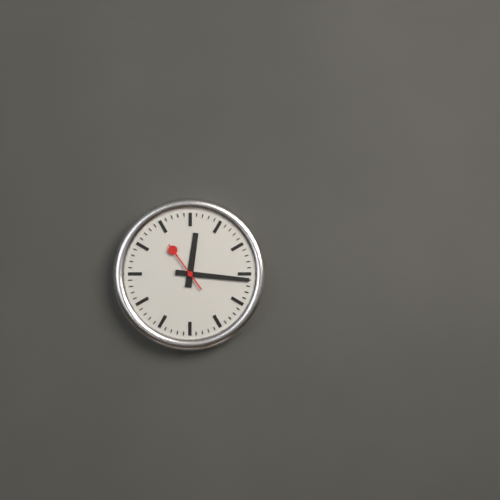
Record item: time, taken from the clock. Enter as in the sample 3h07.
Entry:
12h16
